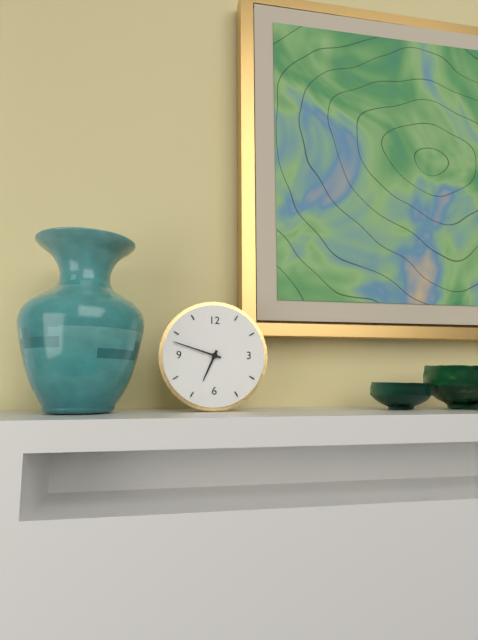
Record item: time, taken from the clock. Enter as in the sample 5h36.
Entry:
6h48
